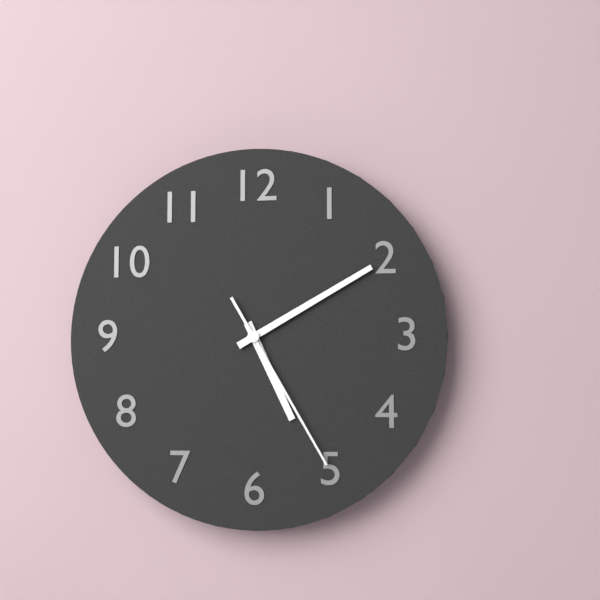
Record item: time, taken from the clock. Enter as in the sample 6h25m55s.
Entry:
5h10m25s
